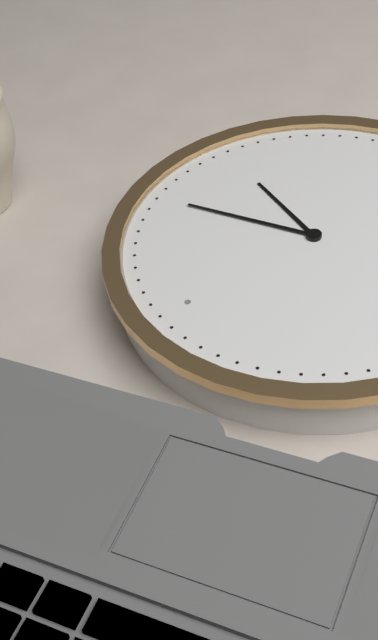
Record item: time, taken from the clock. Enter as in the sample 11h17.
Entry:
3h10
